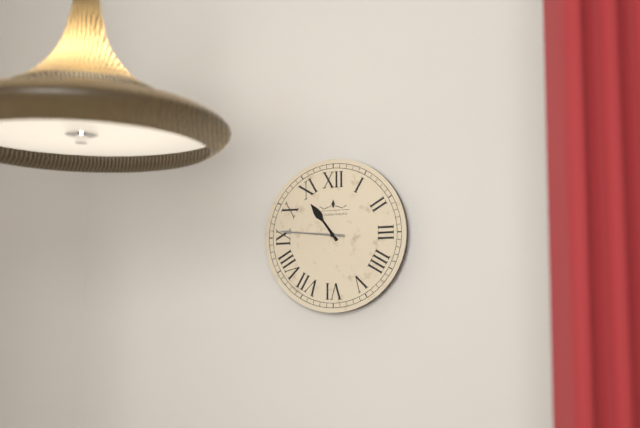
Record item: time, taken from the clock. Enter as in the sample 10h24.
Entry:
10h46
